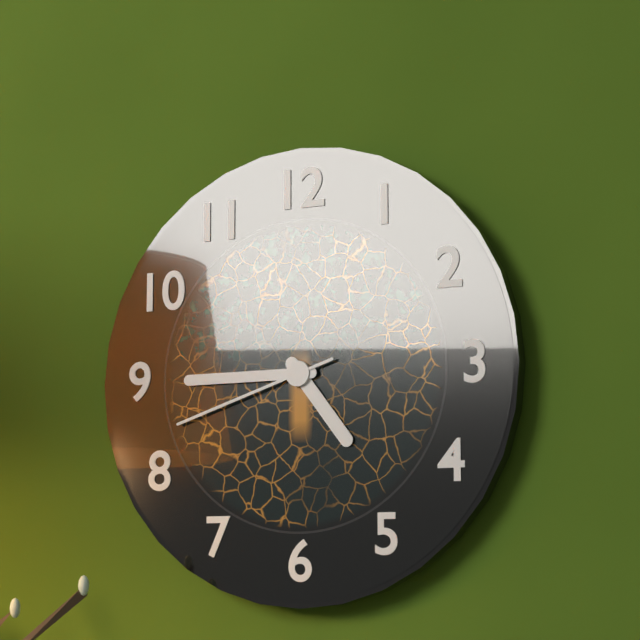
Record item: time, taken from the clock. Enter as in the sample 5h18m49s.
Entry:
4h45m42s
